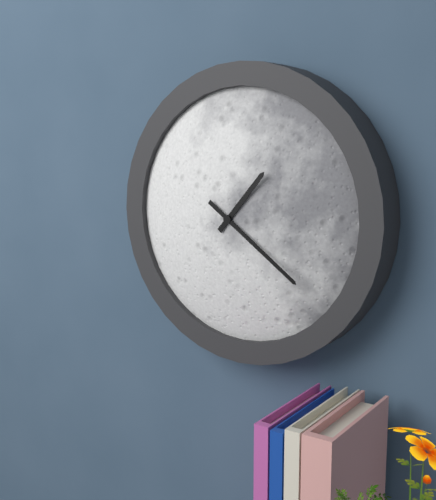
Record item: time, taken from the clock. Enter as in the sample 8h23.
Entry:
1h21
